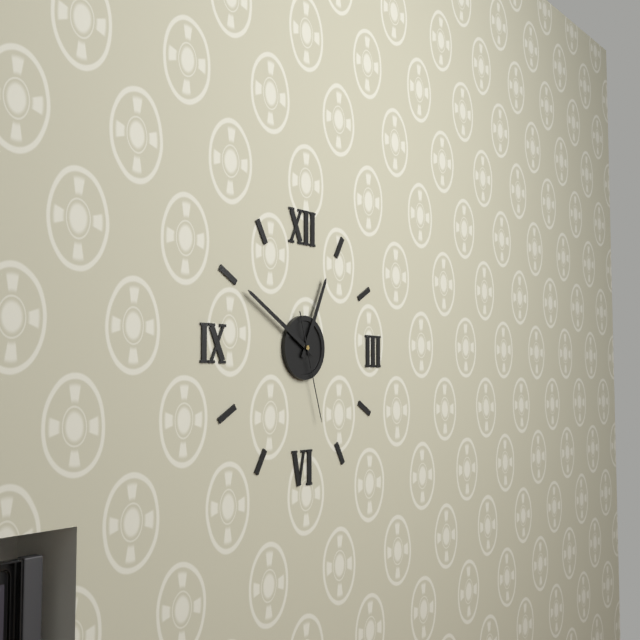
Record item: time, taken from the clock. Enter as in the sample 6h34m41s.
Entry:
12h50m27s
